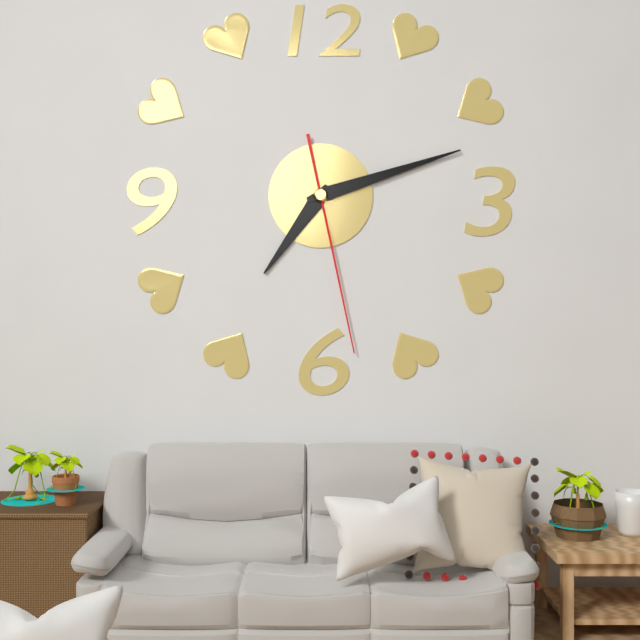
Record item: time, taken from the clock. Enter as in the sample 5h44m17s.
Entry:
7h12m28s
